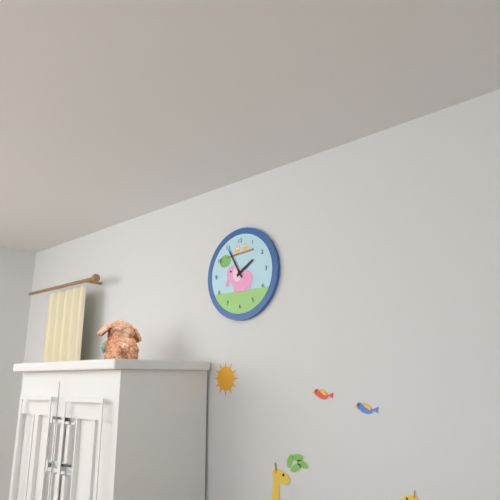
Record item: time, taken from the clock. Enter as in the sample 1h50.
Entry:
1h55
